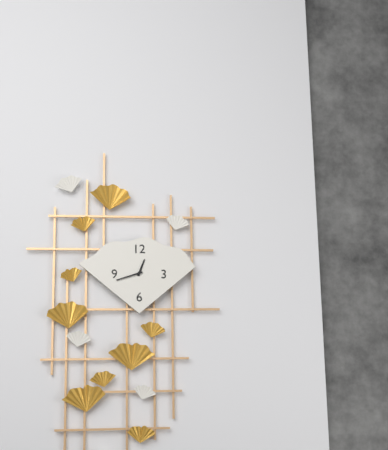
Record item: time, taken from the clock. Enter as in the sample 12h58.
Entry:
12h42
